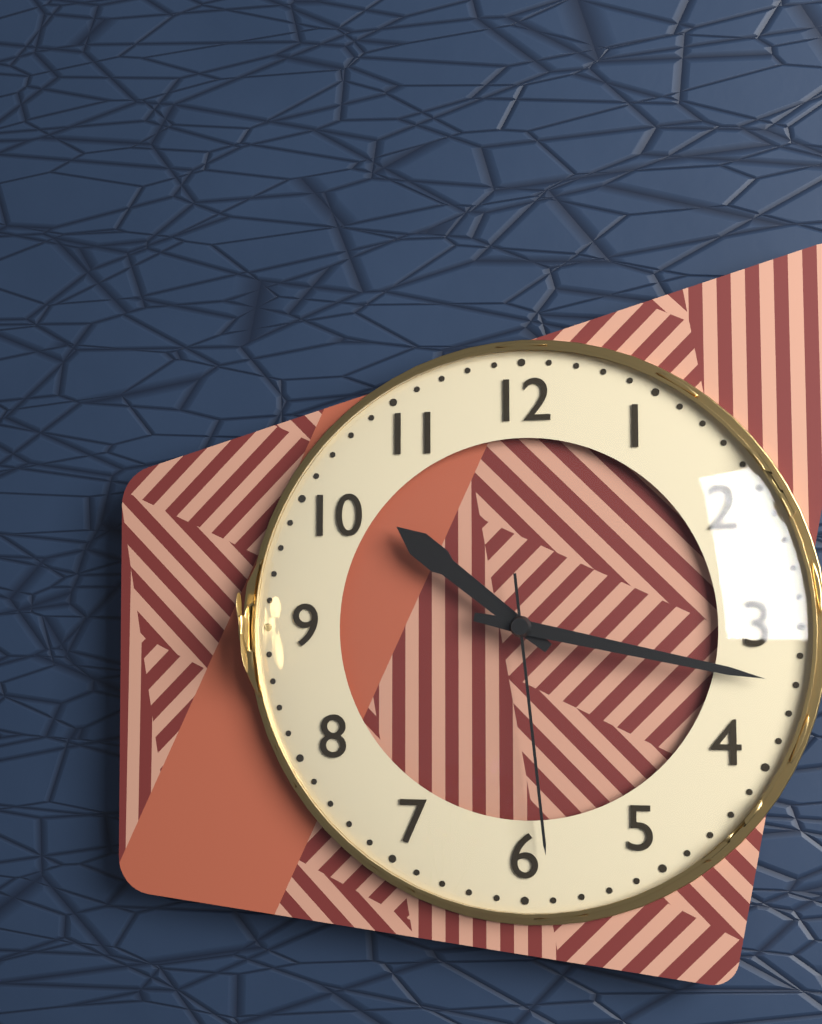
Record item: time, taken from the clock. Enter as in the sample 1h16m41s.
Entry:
10h17m29s
